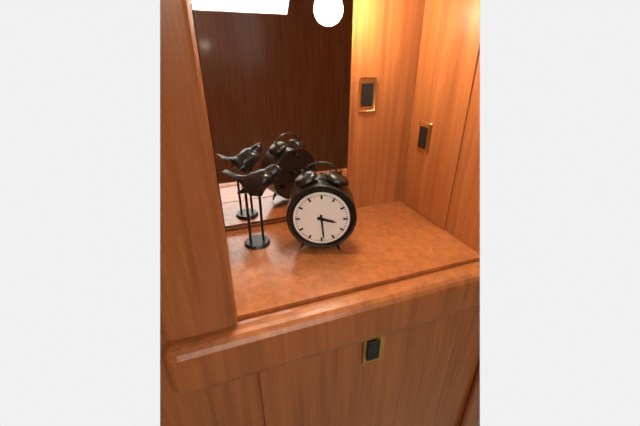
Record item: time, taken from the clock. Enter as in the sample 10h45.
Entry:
3h29
